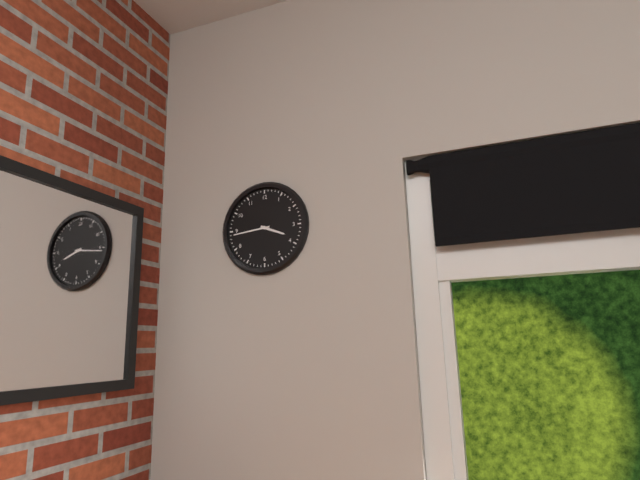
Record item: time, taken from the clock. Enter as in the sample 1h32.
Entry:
3h44
